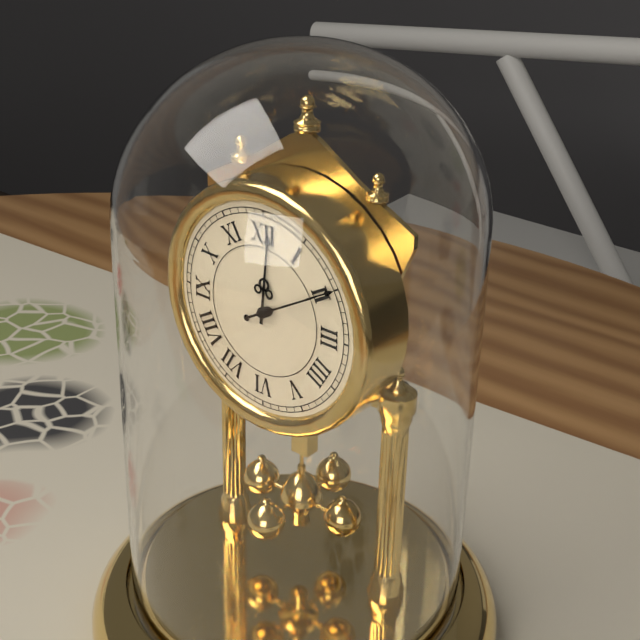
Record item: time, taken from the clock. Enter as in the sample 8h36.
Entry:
12h10
